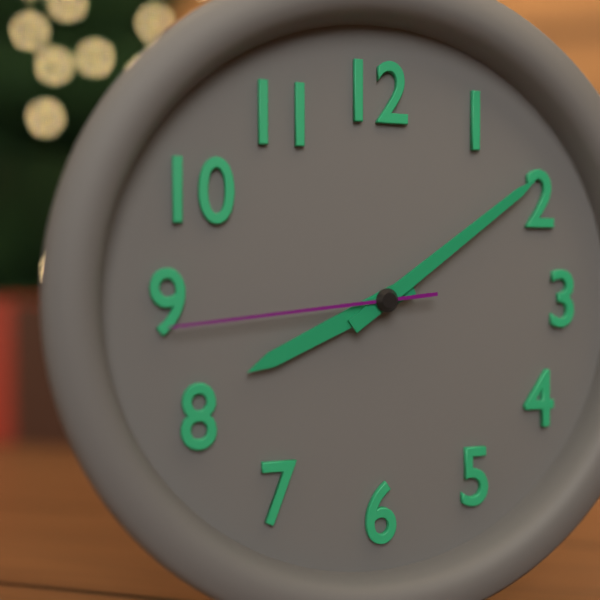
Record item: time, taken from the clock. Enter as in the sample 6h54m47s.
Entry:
8h09m44s
